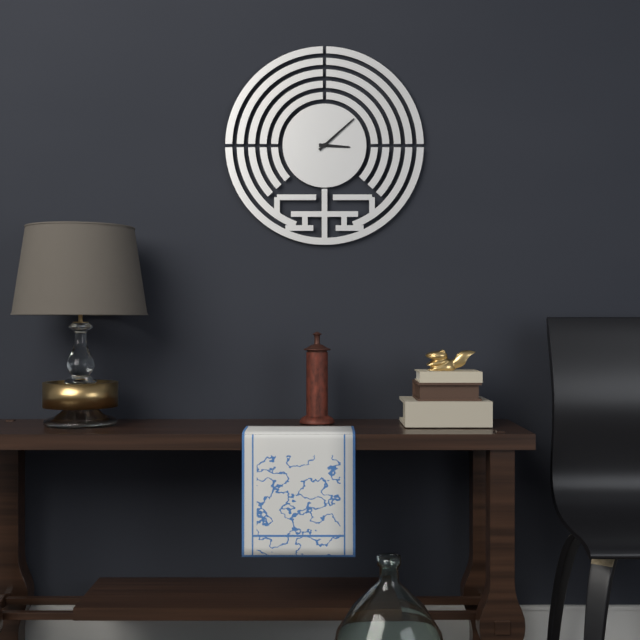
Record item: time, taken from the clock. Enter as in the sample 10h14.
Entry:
3h08
